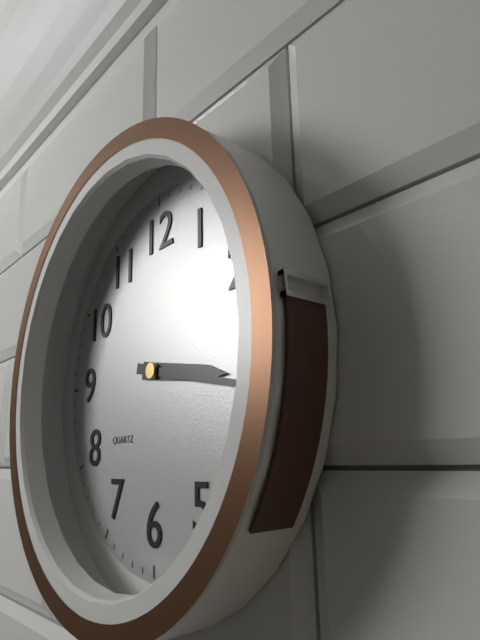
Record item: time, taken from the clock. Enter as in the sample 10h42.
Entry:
3h17
